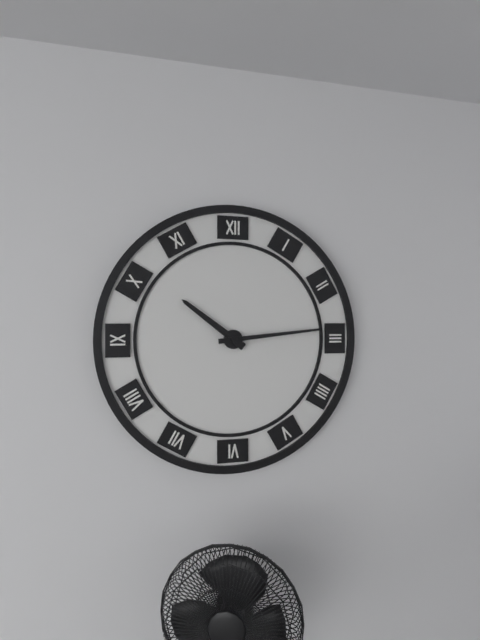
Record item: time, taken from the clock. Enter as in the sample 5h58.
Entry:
10h14
